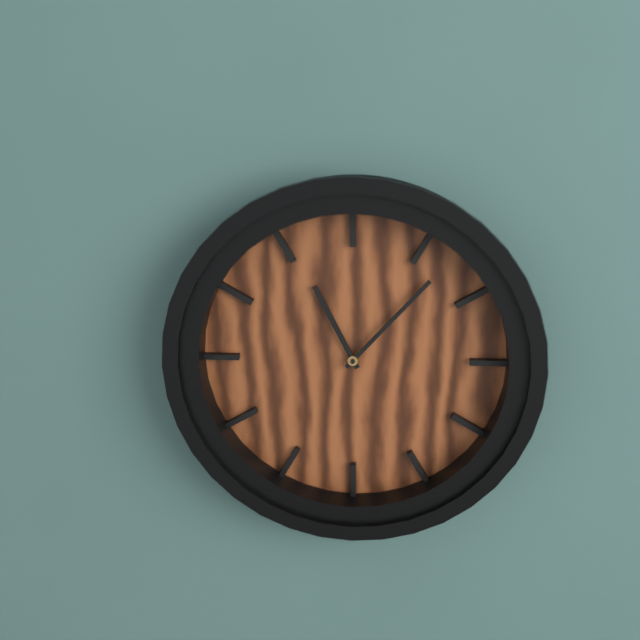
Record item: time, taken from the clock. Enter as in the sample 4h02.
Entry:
11h07
